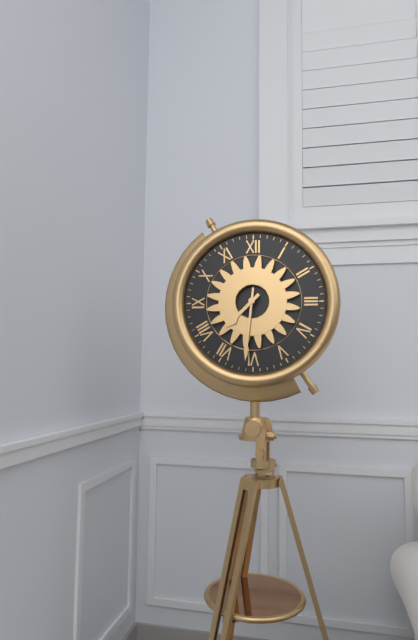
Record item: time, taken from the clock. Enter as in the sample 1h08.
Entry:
7h31
